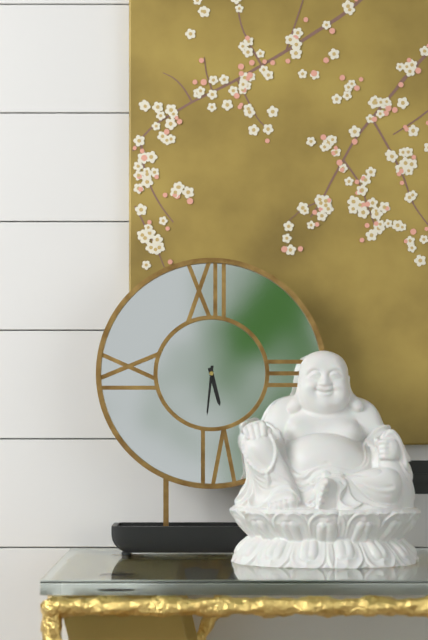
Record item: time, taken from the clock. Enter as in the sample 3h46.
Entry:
5h31
